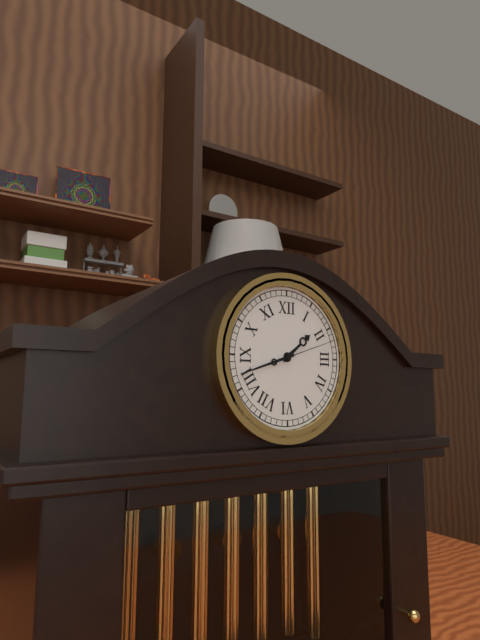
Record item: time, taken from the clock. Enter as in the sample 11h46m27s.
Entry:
1h42m12s
